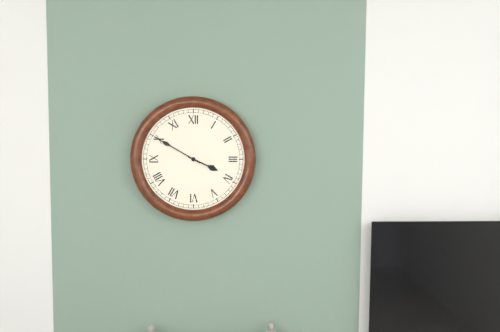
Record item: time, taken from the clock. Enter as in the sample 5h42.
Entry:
3h50
